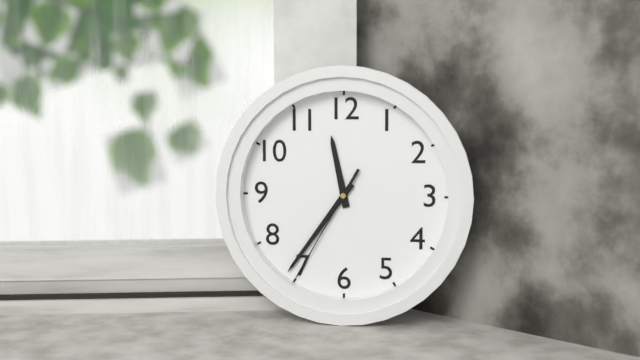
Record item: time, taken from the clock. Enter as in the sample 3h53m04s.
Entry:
11h36m35s
